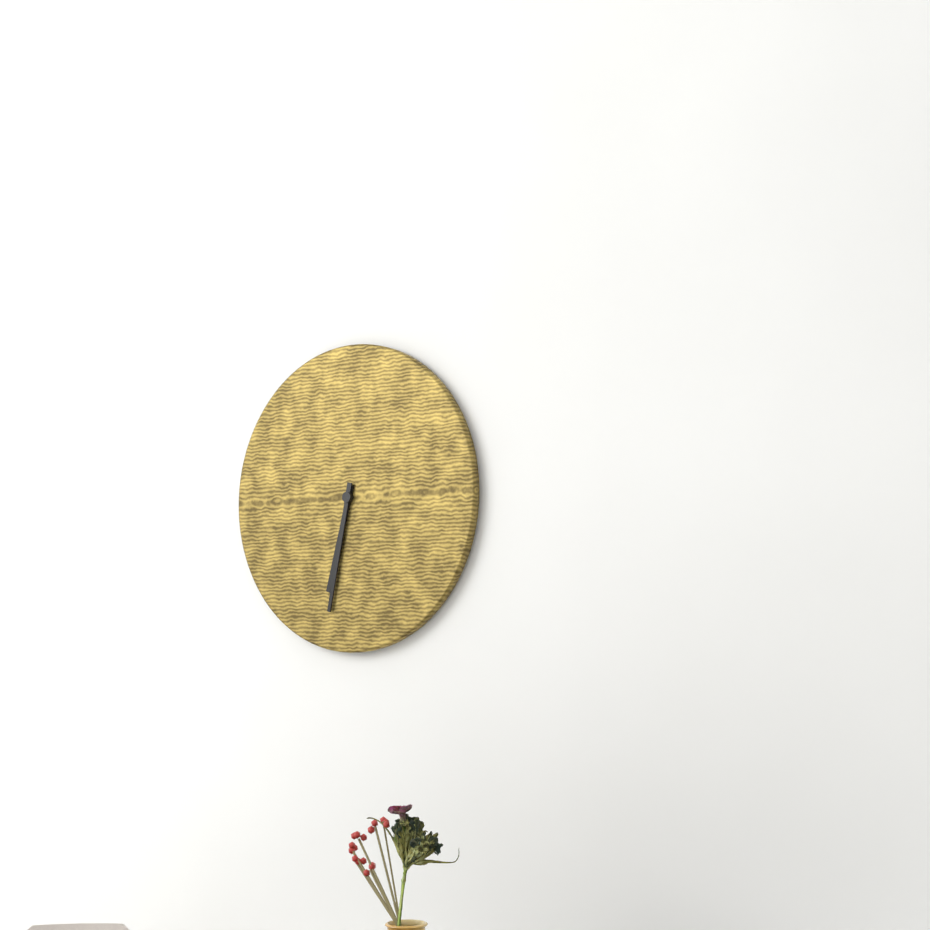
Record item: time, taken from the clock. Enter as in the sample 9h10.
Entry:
6h32
